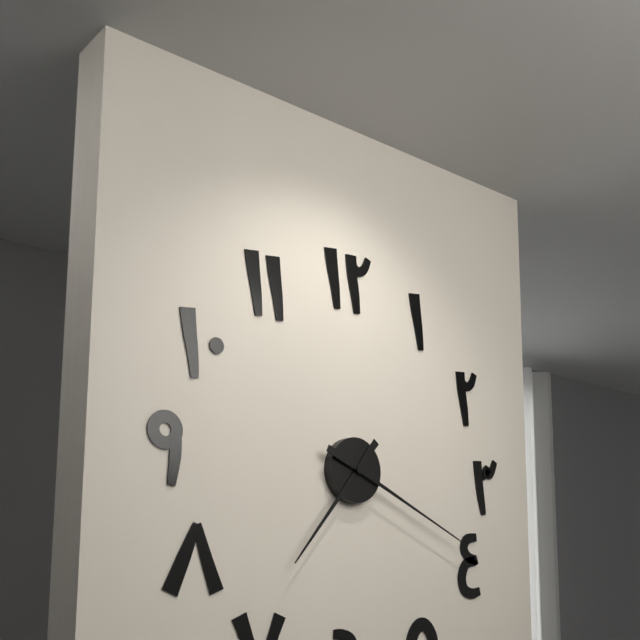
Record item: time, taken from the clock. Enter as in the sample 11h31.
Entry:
7h19
